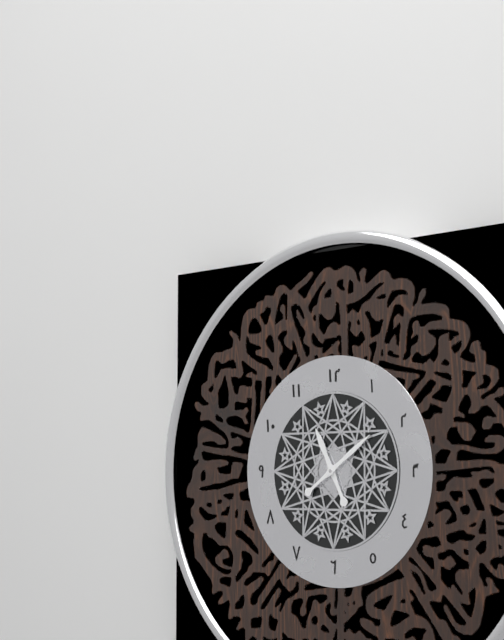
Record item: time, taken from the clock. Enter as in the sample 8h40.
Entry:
11h09
